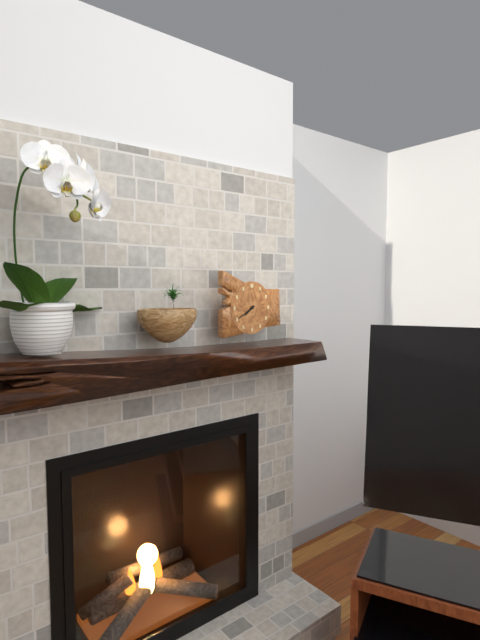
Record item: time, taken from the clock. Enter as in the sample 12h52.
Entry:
7h40
